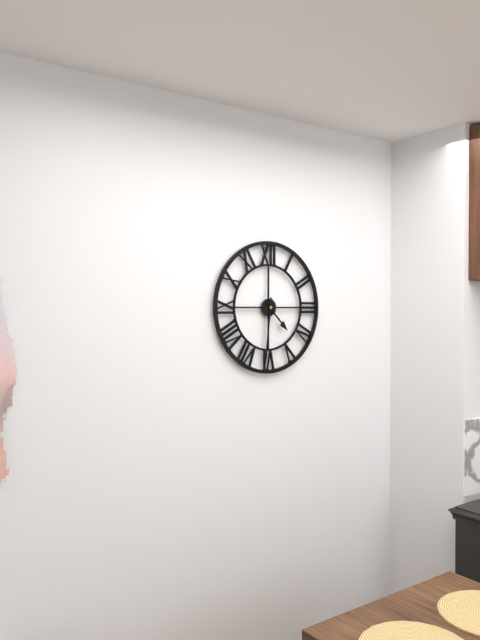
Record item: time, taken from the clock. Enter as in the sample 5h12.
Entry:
4h31
